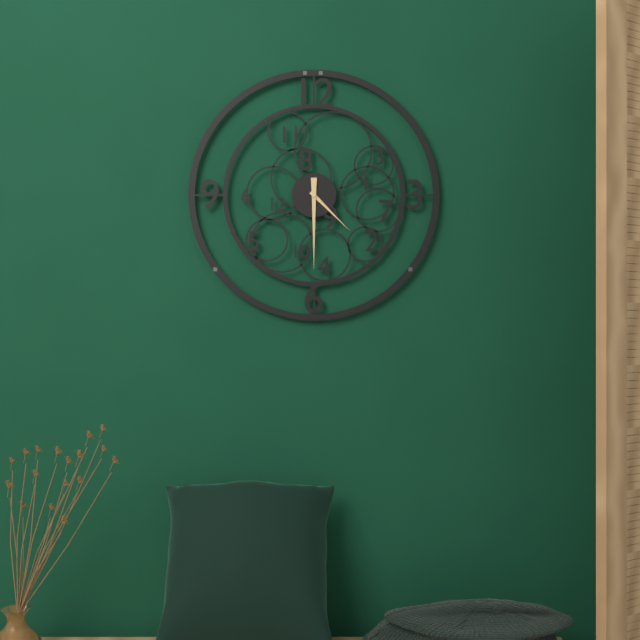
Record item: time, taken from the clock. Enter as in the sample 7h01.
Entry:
4h30
